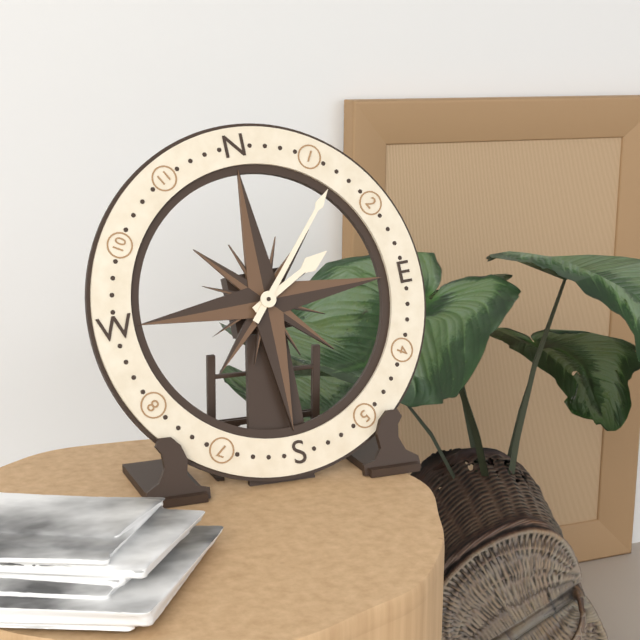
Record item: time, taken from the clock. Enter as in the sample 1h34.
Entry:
2h07
